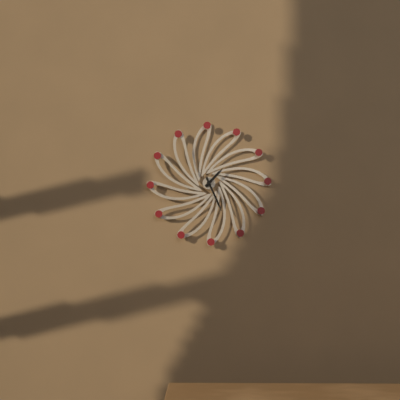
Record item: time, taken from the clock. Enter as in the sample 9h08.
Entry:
1h26
